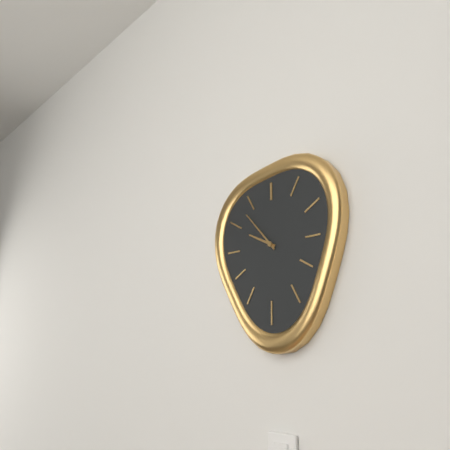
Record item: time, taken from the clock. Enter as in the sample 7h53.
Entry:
9h53
